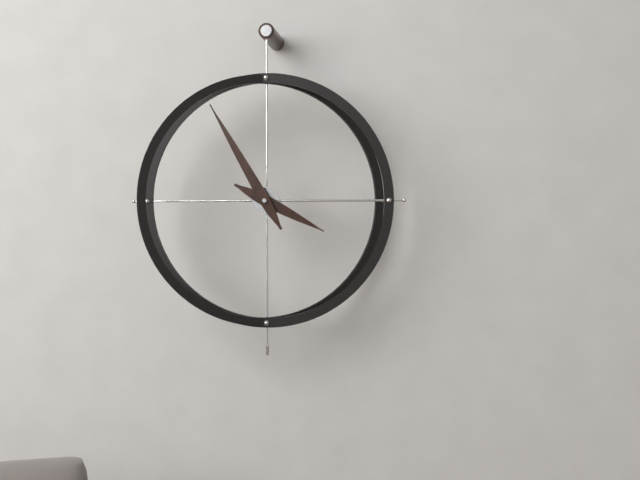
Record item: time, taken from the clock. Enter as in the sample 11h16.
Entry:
3h55
